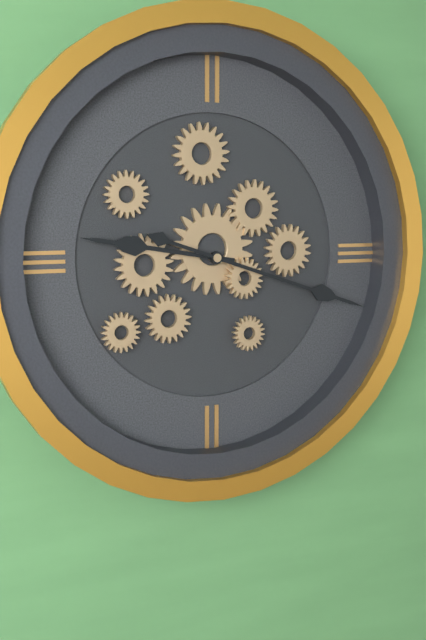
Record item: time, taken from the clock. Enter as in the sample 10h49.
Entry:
9h18
